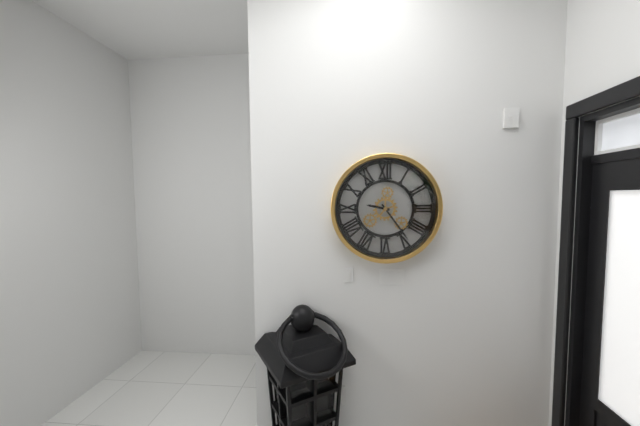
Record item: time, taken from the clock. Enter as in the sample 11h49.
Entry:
9h24
